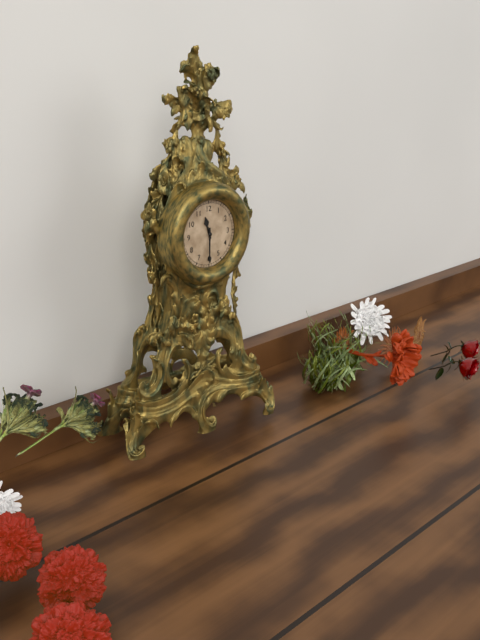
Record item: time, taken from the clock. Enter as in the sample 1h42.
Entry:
11h30
